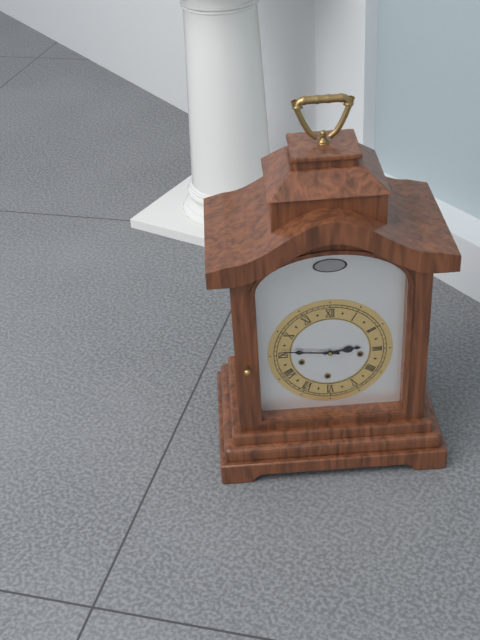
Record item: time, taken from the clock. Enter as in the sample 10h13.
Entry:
2h46
